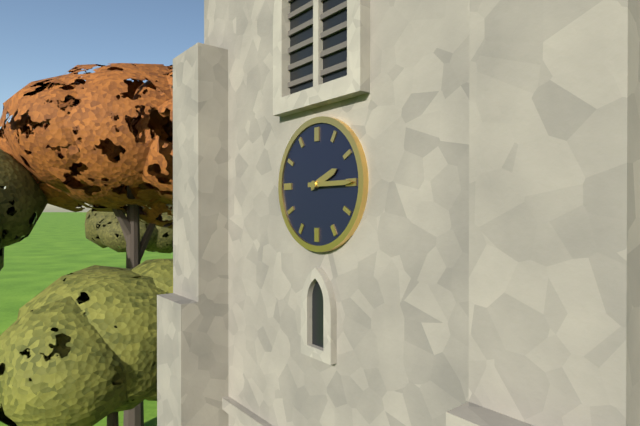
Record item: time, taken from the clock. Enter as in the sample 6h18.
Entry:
2h15
